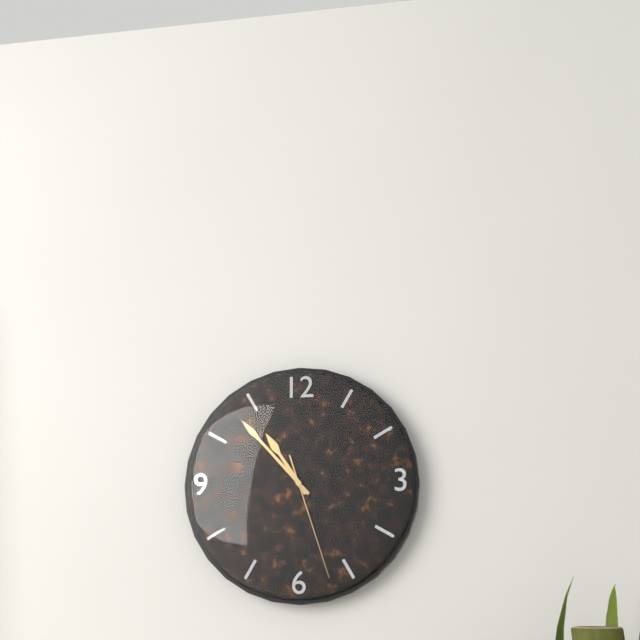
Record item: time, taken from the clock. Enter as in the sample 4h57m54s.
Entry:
10h53m27s
